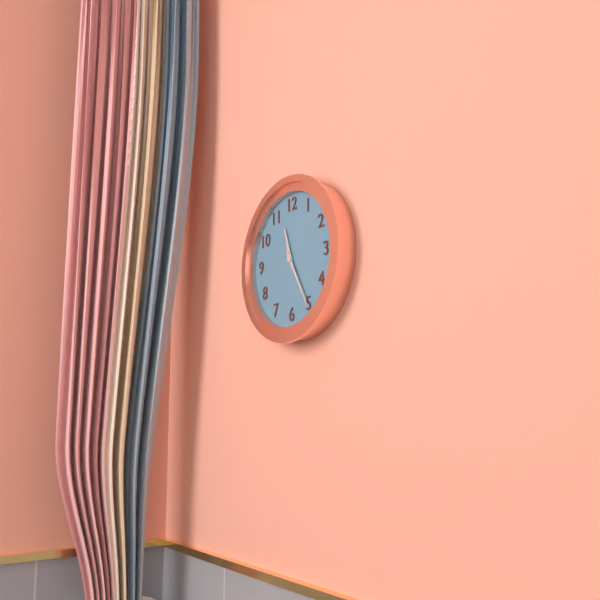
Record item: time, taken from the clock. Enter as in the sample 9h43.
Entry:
11h25
